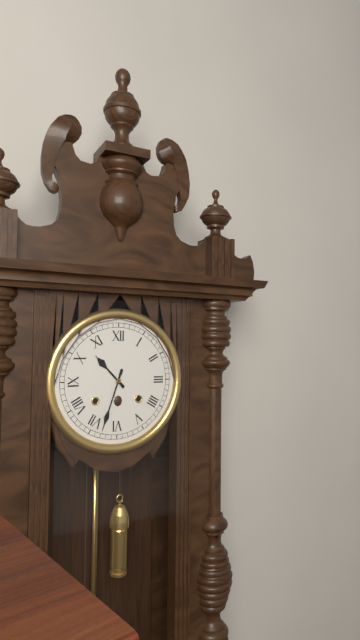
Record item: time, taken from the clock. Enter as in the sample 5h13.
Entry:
10h33
